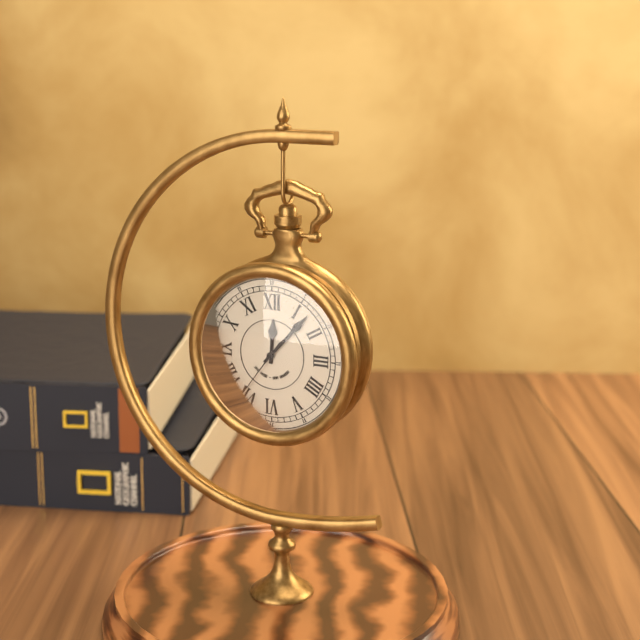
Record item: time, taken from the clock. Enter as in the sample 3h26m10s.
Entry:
12h07m36s
